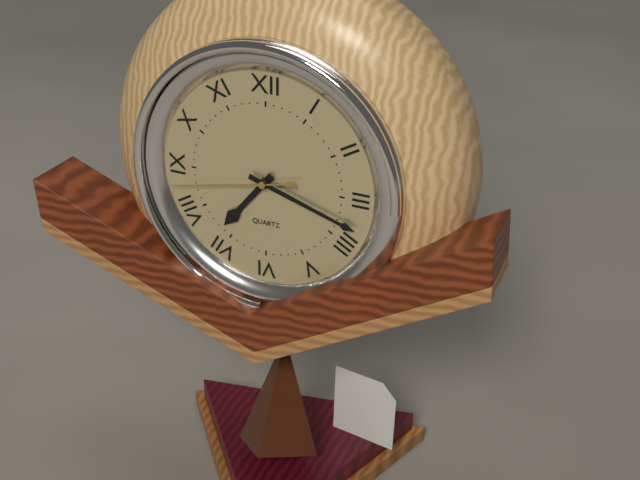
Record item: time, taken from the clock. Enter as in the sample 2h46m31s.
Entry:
7h18m43s
